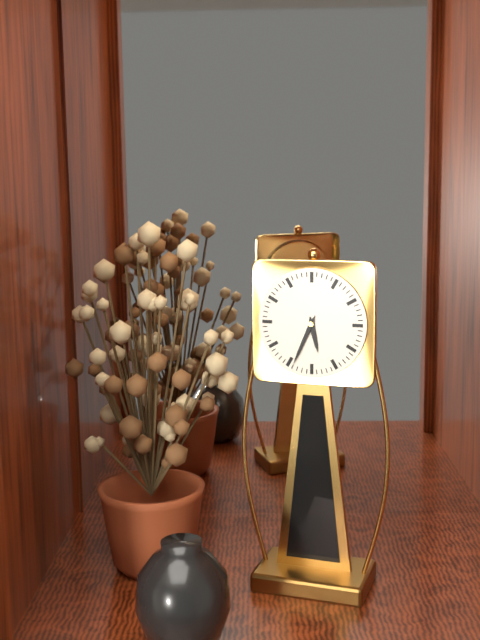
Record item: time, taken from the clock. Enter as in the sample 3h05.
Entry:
5h34
